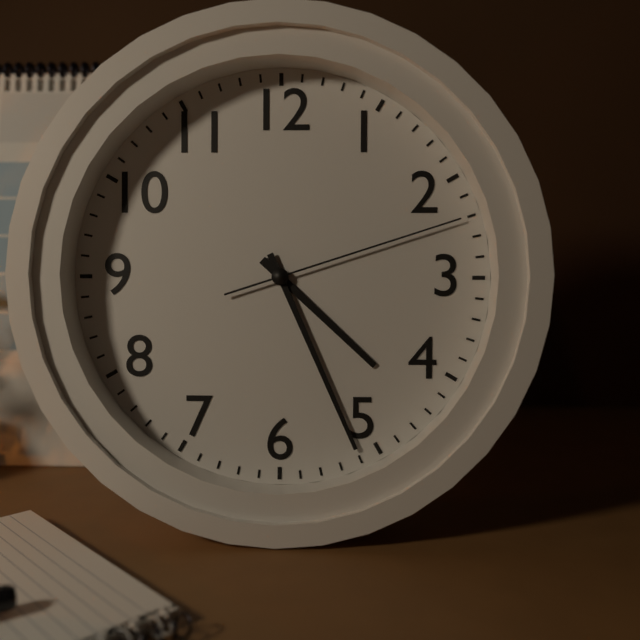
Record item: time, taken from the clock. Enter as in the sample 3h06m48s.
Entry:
4h26m12s
